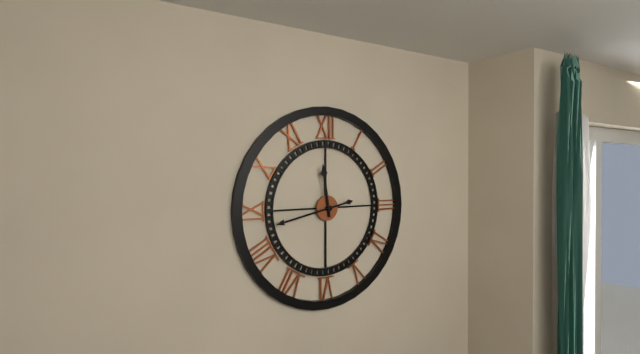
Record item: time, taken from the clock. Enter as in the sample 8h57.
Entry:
11h43
